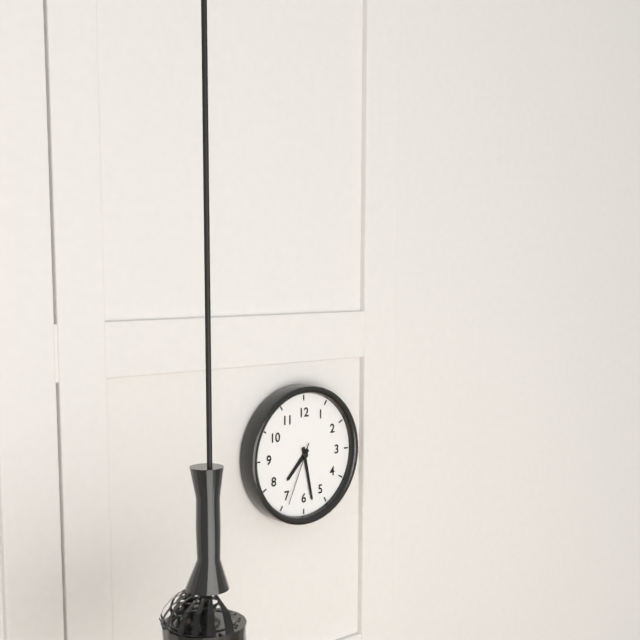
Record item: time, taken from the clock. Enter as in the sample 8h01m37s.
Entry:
7h28m34s
